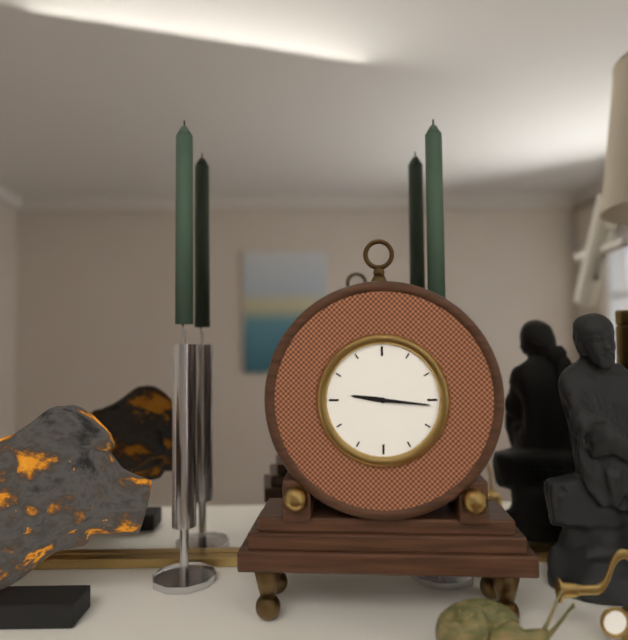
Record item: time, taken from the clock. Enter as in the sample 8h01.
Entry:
9h16
